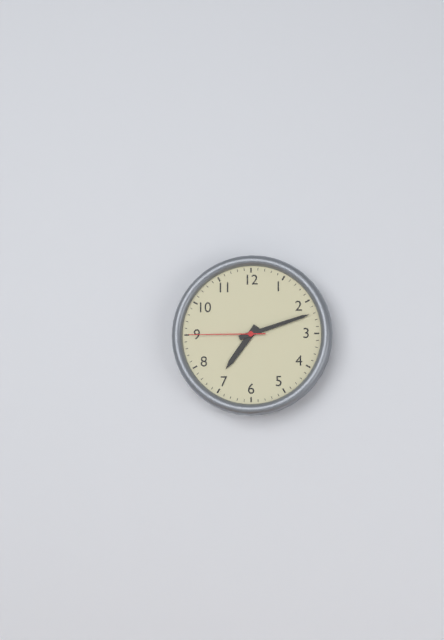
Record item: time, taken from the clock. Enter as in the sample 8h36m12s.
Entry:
7h12m45s
